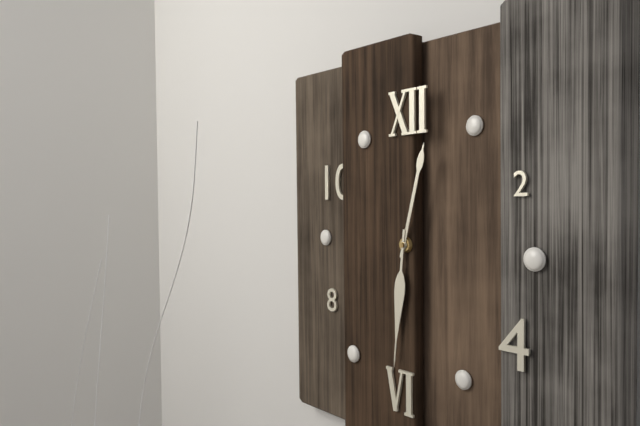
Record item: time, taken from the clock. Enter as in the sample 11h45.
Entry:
12h31
